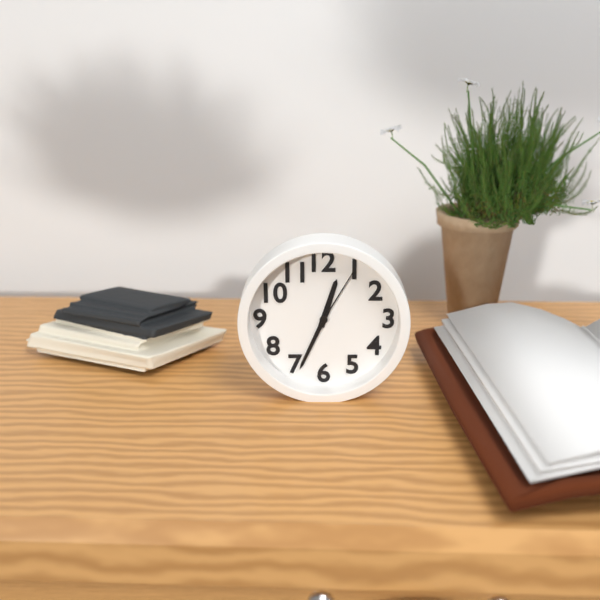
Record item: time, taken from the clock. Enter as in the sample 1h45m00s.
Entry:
12h34m05s
